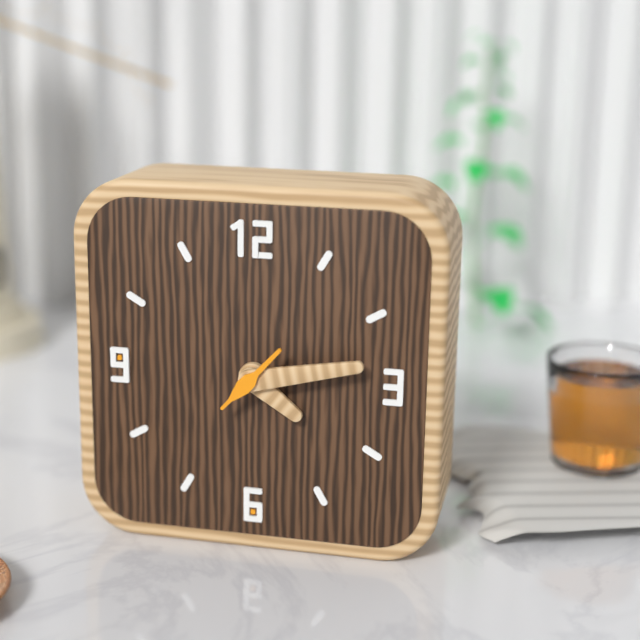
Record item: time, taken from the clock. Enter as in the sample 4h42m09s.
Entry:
4h13m07s
